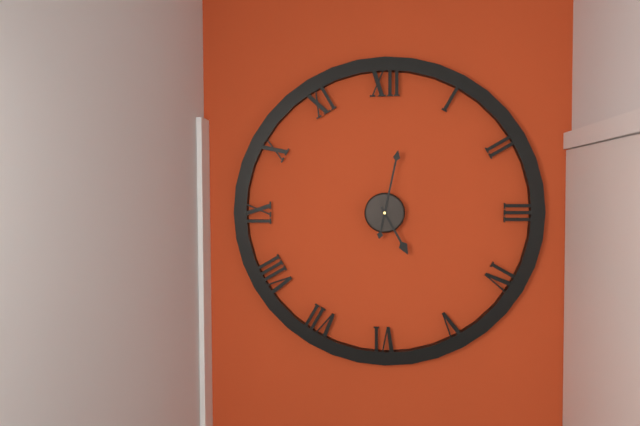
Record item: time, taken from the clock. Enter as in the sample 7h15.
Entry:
5h02
